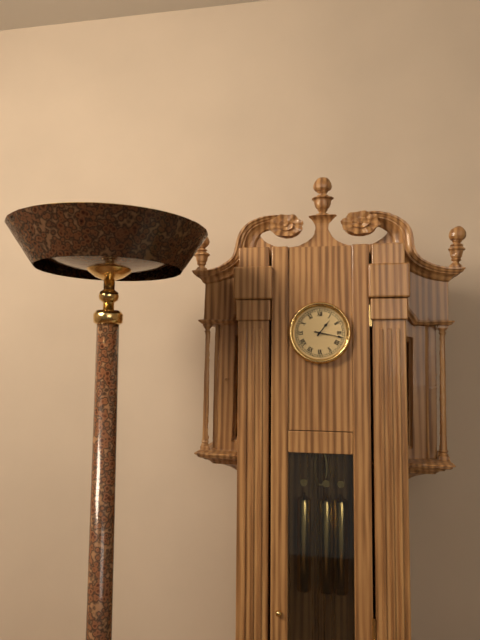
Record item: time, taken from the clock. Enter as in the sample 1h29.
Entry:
1h17
